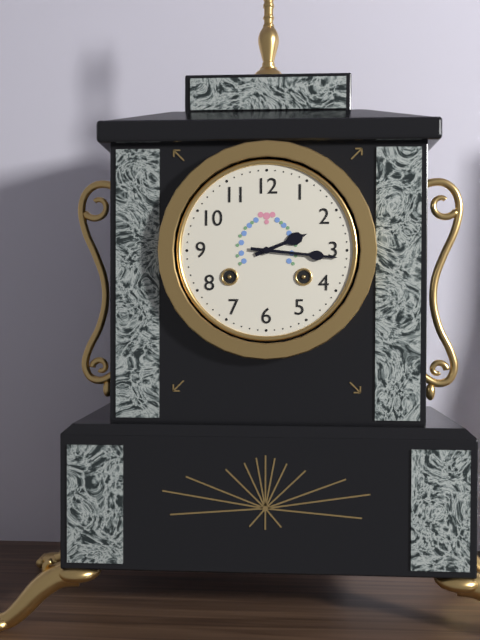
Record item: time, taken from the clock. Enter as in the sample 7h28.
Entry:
2h16
